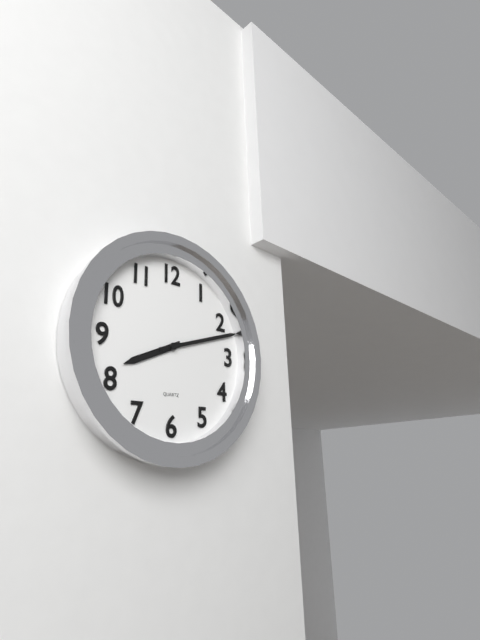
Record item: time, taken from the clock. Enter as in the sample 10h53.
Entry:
8h12
